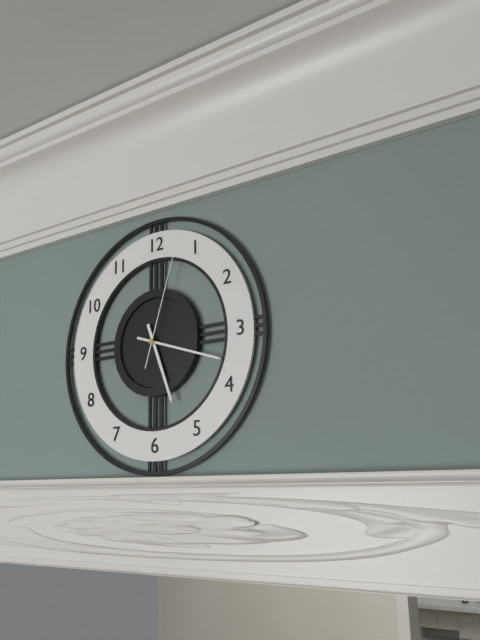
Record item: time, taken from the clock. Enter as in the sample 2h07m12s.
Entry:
5h18m03s
